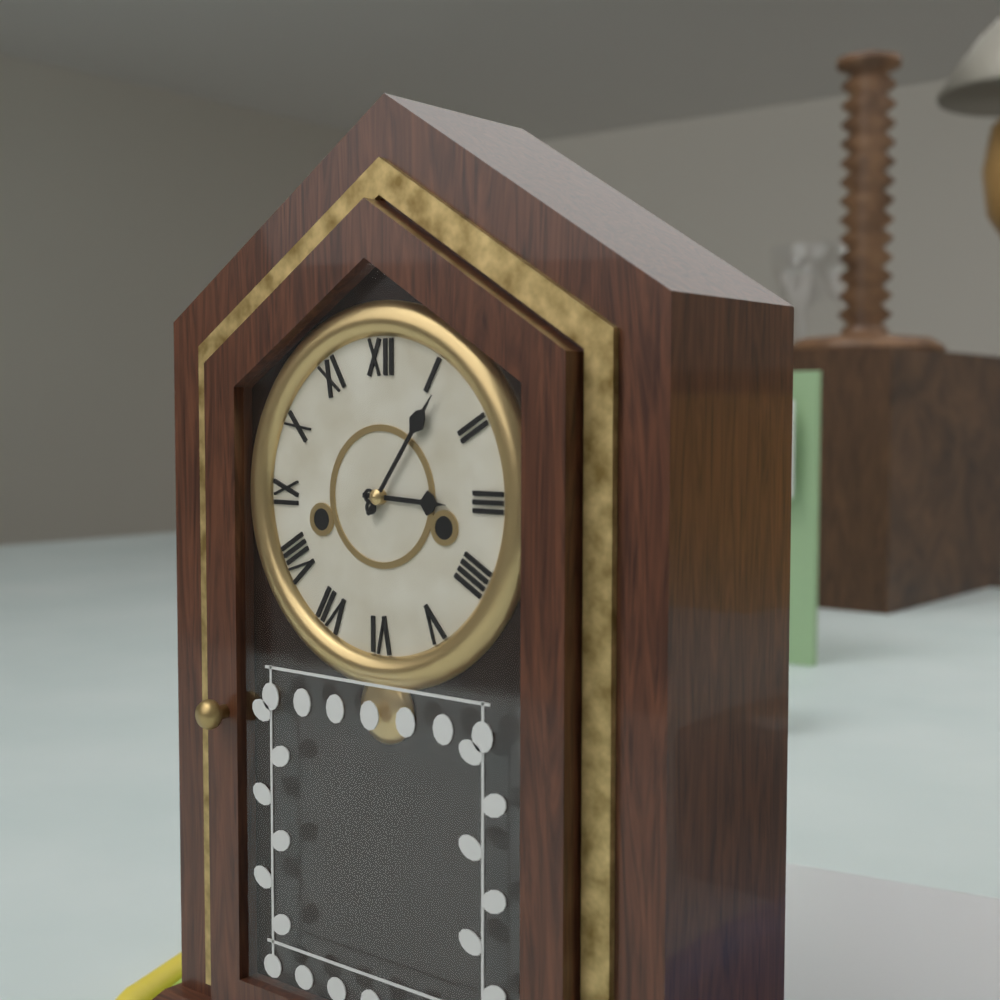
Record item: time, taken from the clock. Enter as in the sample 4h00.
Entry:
3h06
